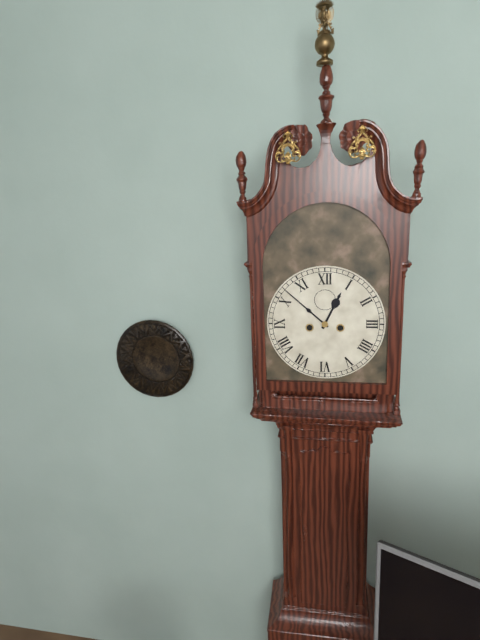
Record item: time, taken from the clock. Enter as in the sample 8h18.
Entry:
12h52
